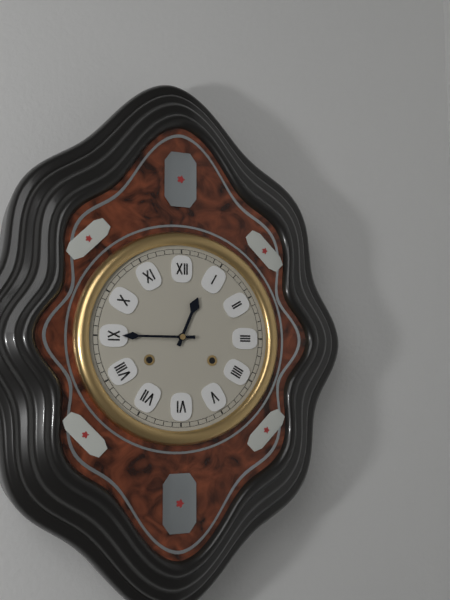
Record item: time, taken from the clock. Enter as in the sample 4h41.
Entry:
12h45
